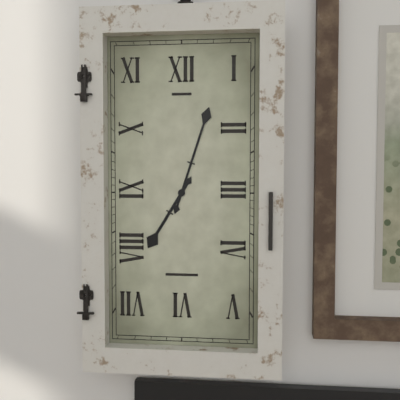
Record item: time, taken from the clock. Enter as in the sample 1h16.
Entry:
7h03
